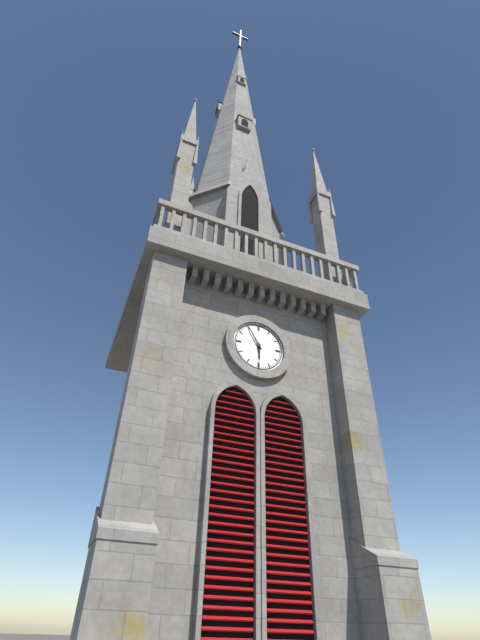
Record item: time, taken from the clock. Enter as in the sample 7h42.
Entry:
5h55
